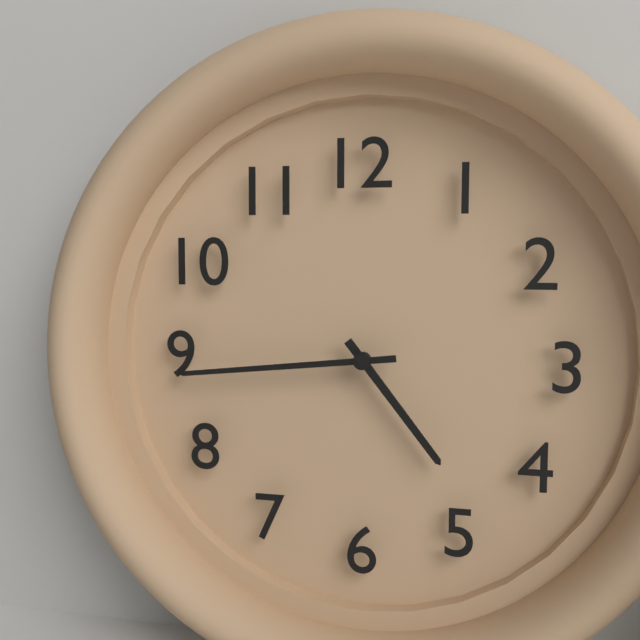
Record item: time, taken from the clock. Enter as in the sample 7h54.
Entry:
4h44
